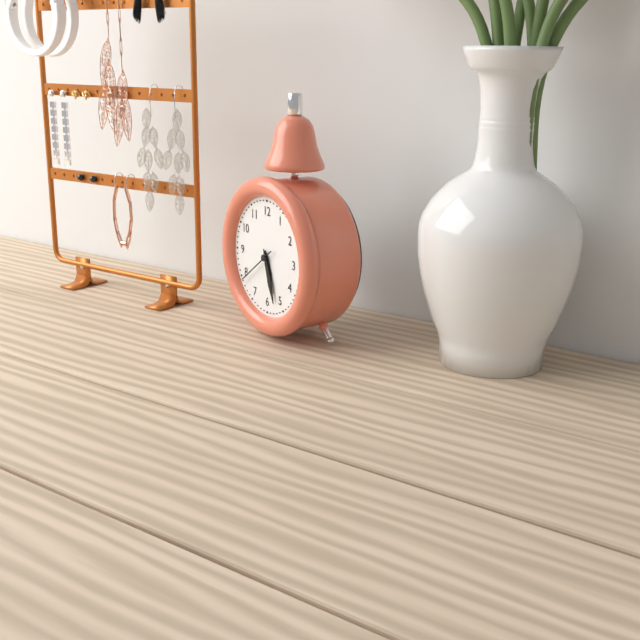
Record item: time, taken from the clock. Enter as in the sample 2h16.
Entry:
5h27
